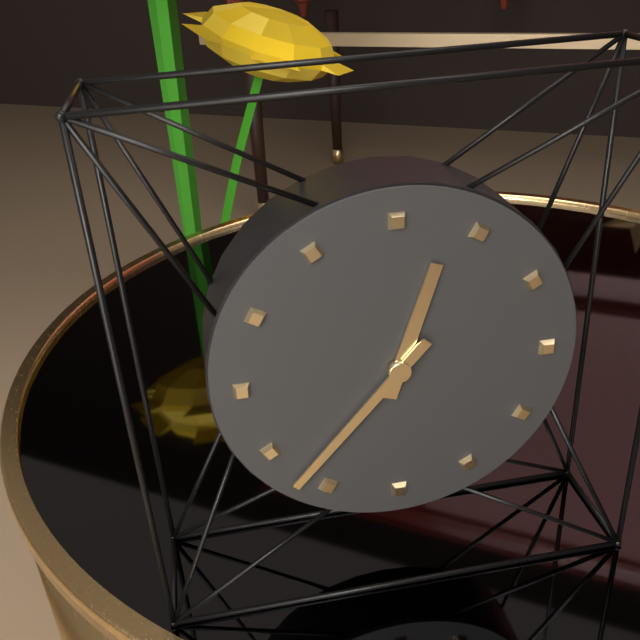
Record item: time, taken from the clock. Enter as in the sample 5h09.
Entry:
12h37
